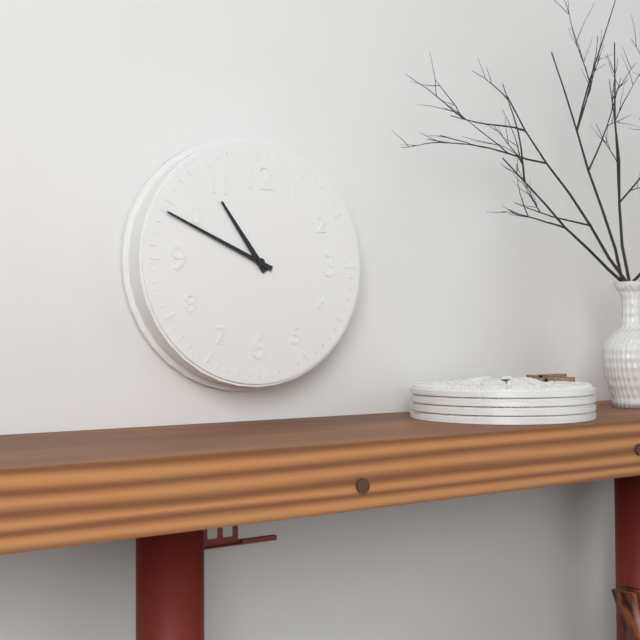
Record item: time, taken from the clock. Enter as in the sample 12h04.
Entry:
10h49
